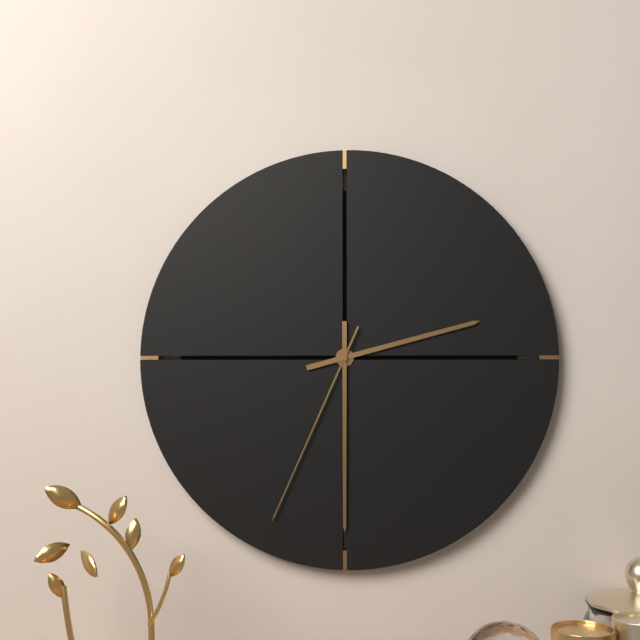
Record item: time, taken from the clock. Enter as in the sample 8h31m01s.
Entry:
2h30m34s
